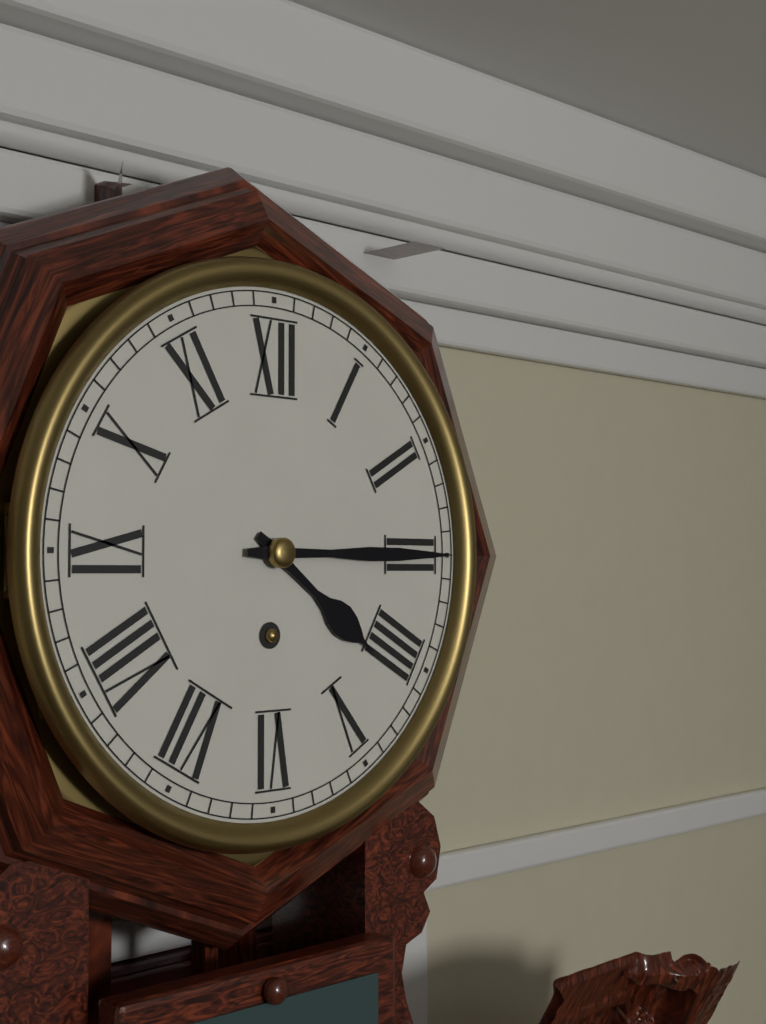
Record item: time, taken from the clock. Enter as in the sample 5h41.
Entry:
4h15
